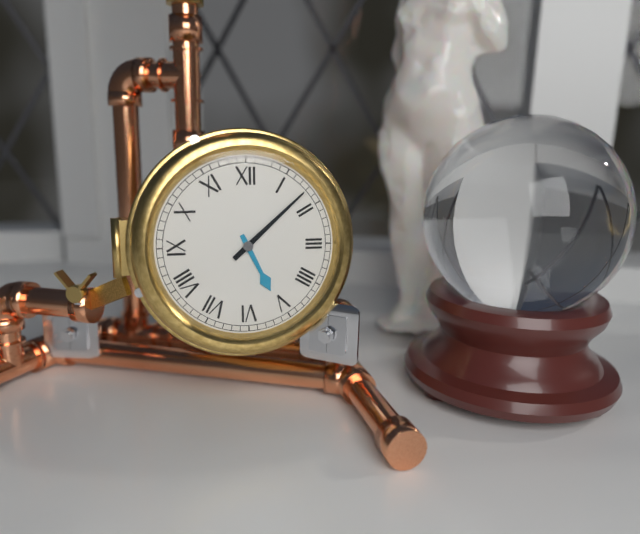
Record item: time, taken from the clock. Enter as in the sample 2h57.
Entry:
5h08
